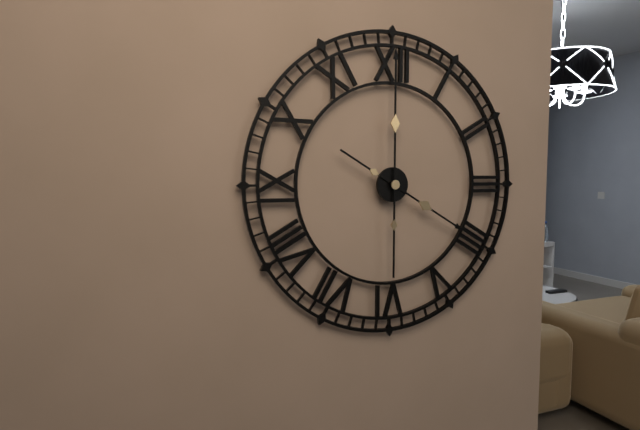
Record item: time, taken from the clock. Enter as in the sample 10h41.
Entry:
4h00
